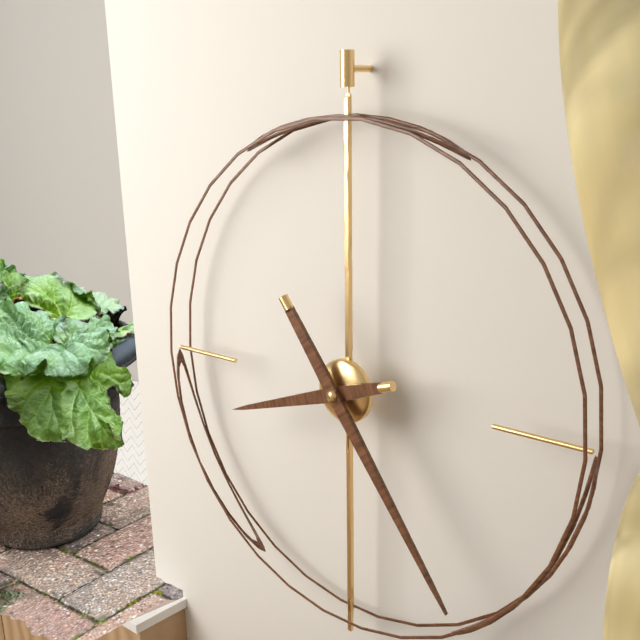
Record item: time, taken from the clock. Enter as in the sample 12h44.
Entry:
8h24
